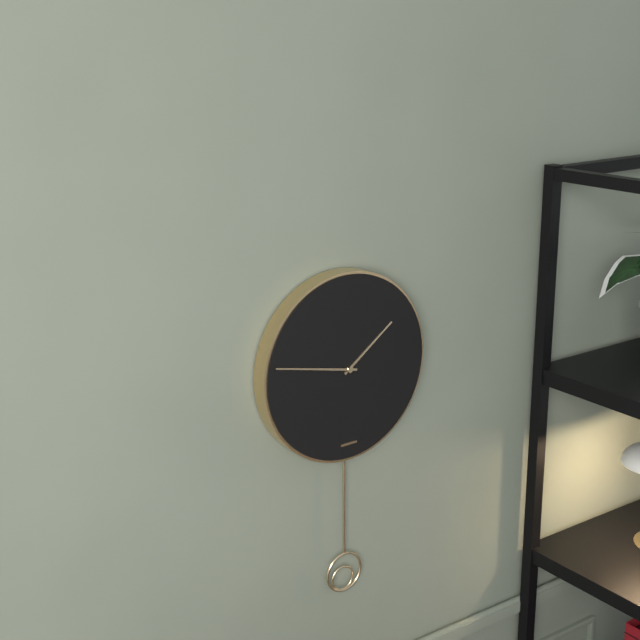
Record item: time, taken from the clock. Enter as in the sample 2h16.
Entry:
1h47
